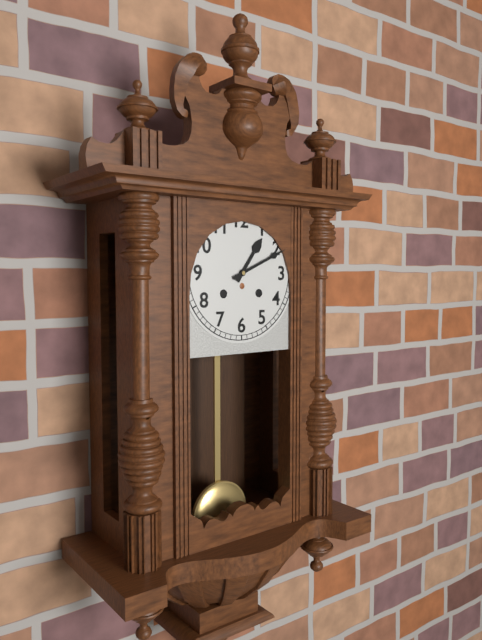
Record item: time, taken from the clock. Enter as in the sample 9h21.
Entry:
1h11
